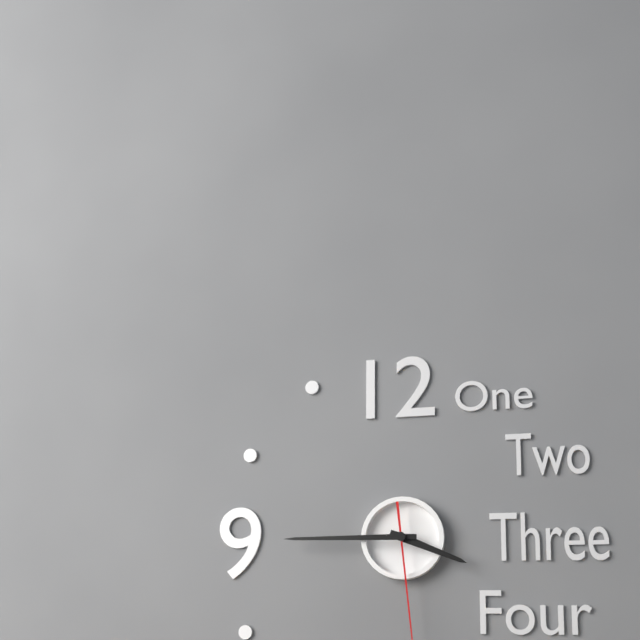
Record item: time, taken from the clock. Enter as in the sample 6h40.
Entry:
3h45
